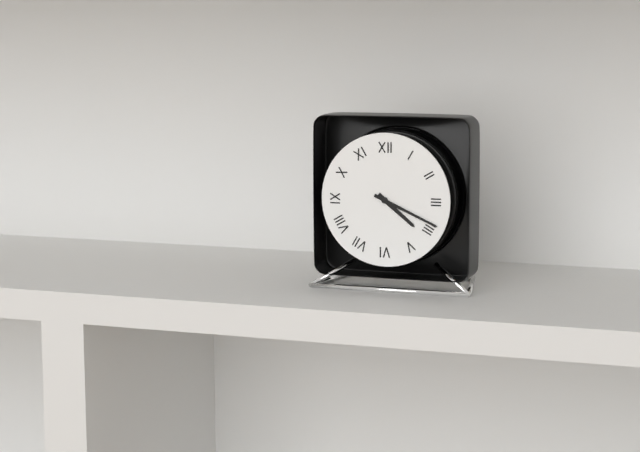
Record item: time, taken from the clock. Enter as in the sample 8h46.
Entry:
4h19
